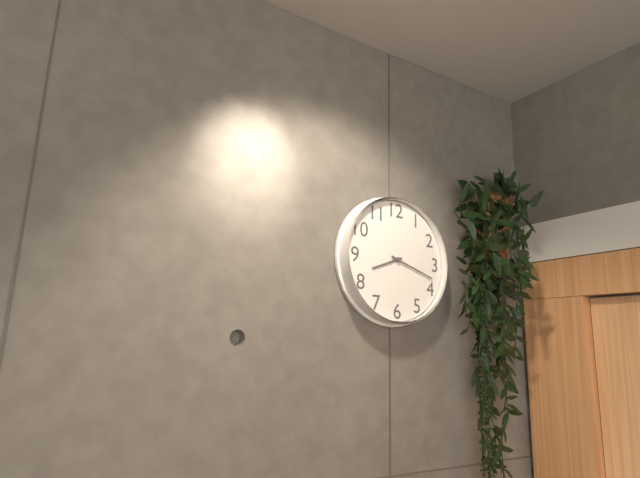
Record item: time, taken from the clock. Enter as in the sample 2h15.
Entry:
8h18
